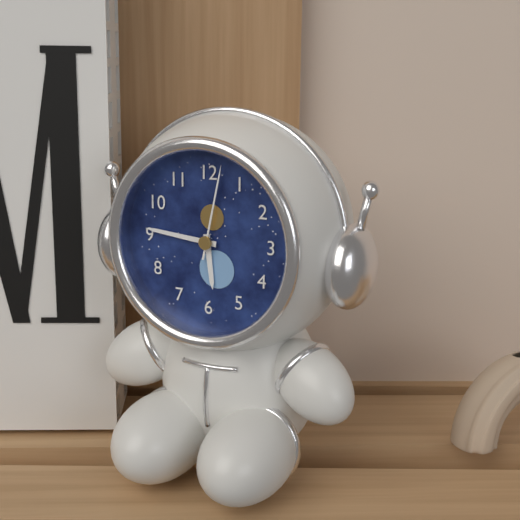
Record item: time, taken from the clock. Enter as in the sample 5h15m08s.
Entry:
5h46m02s
